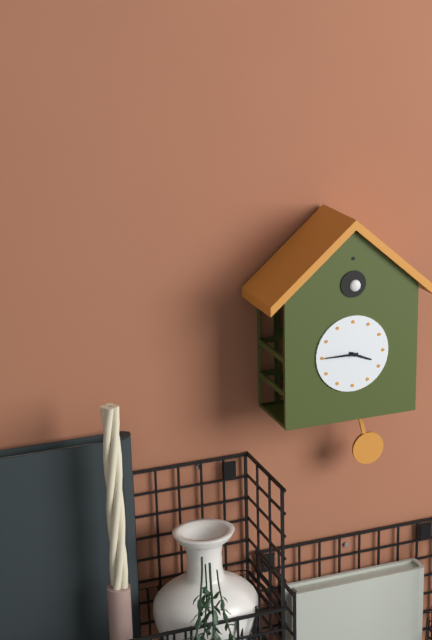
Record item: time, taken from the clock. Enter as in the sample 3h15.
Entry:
3h45
